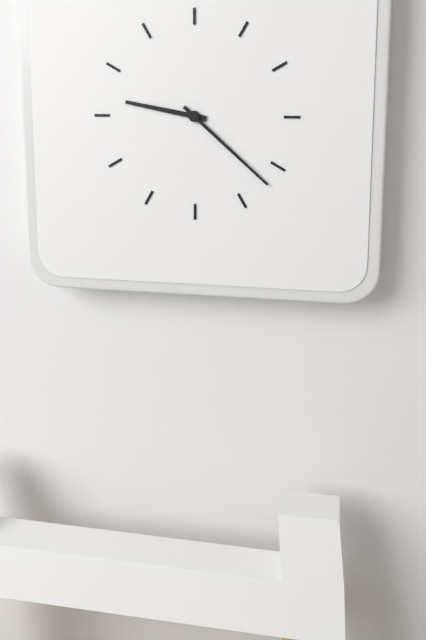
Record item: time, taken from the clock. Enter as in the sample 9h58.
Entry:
9h22
